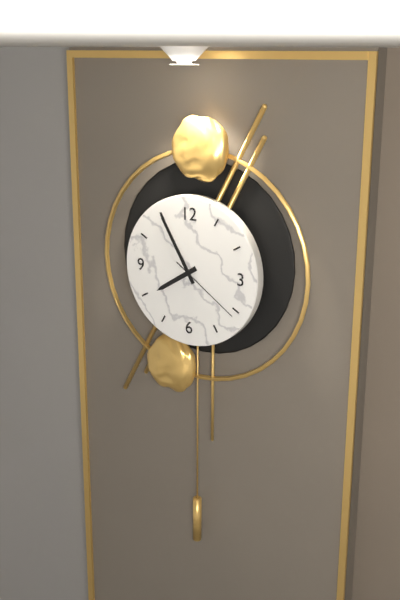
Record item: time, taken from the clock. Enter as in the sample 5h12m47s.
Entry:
7h55m21s
